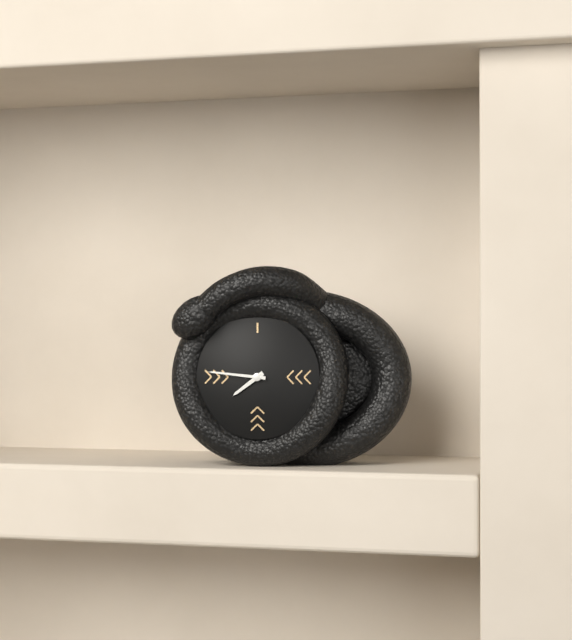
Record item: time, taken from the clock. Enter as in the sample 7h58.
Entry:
7h46
